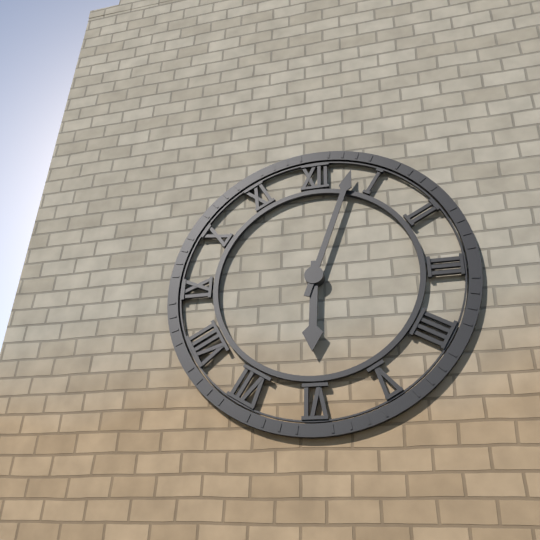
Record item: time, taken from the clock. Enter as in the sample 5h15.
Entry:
6h03
